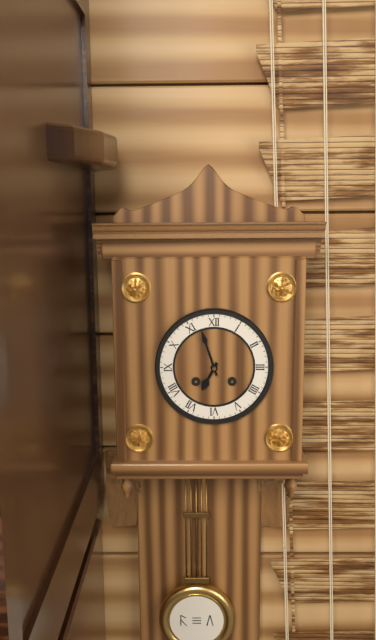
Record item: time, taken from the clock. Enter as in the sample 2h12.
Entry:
6h57
